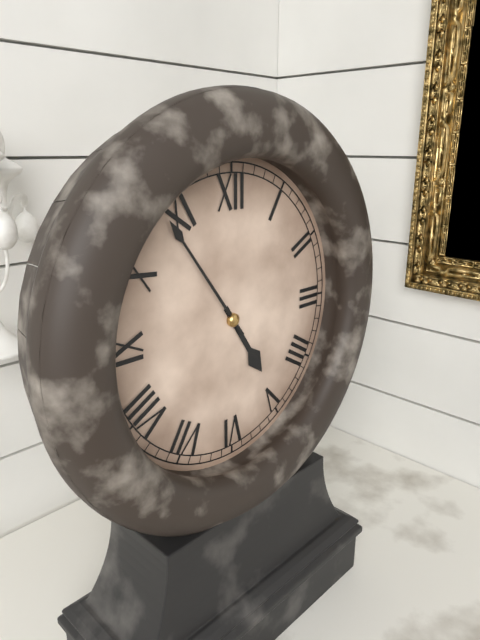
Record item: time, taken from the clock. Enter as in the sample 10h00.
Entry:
4h54
